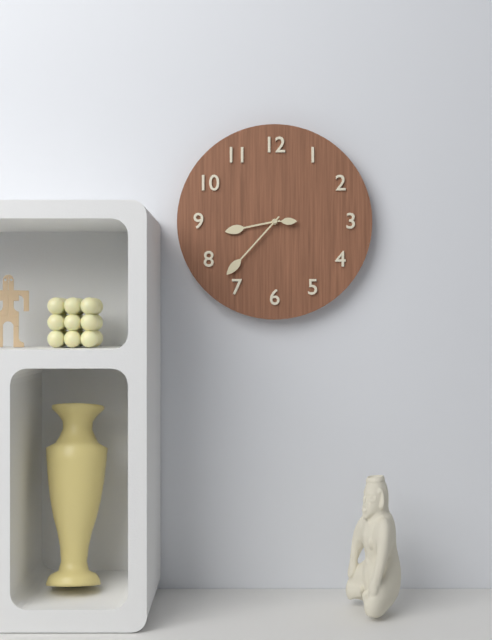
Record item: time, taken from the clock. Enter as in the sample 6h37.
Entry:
8h37
